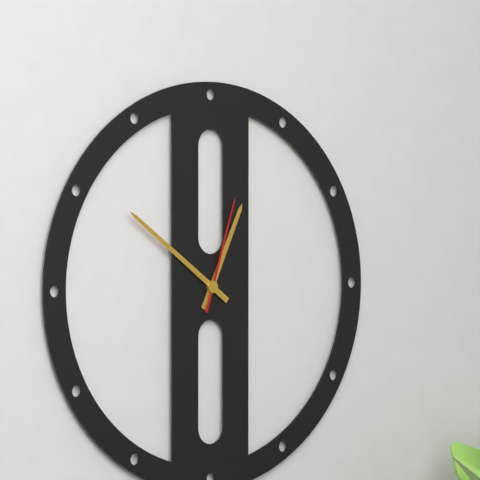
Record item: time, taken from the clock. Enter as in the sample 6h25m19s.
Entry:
12h51m03s
